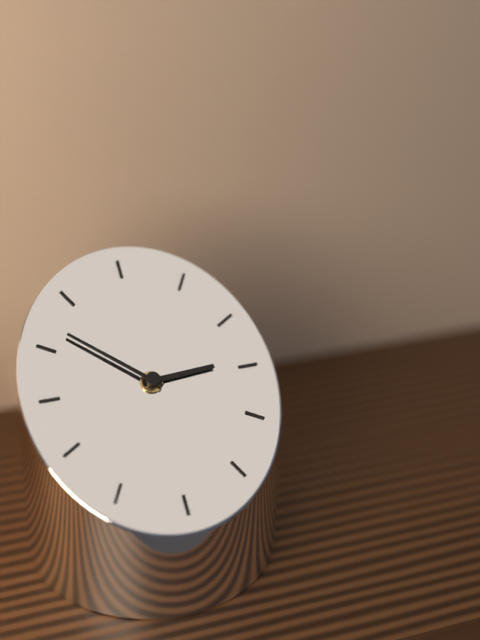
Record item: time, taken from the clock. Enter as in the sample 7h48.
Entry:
2h52
